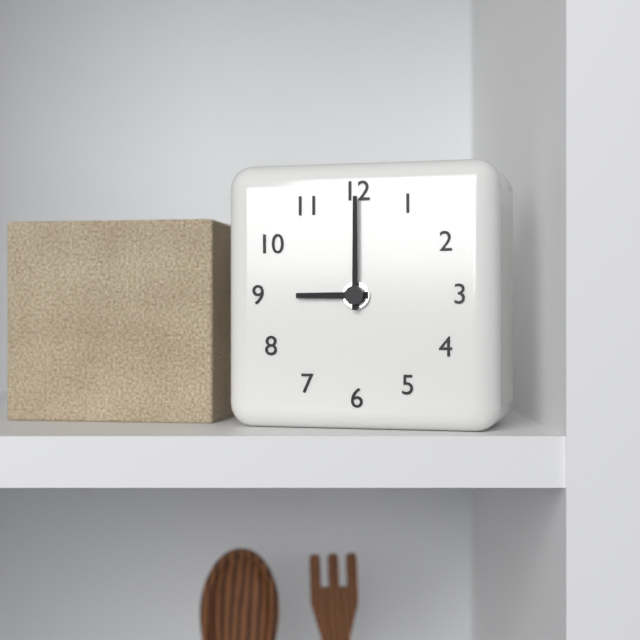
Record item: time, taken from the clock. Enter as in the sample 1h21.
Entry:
9h00
